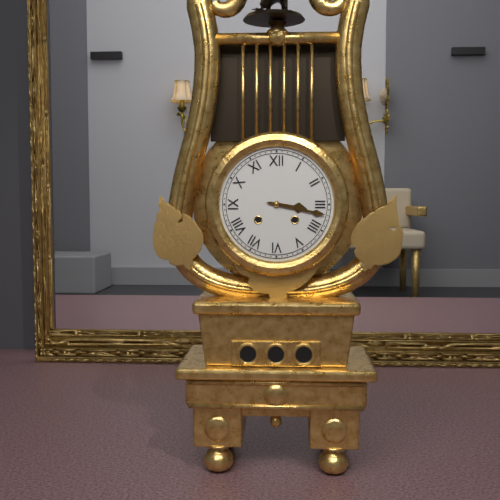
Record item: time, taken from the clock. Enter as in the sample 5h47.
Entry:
3h17
